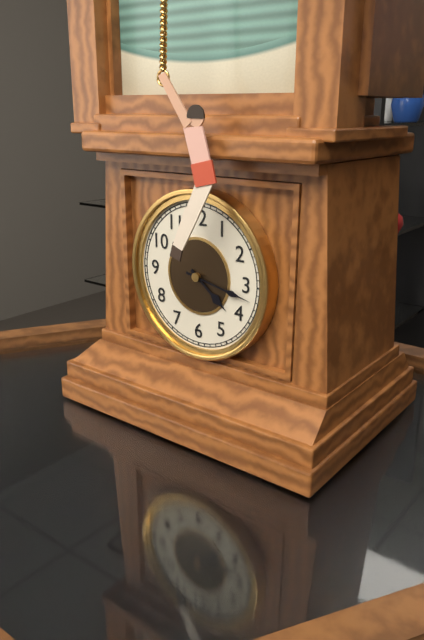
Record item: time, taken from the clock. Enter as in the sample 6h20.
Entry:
4h17
